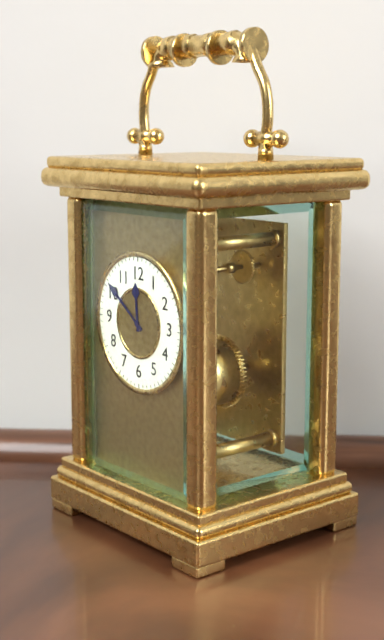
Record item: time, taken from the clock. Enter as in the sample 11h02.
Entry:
11h51
